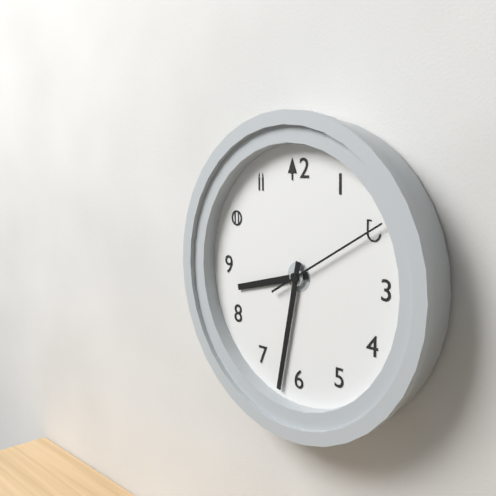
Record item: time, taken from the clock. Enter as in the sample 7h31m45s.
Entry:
8h32m10s
